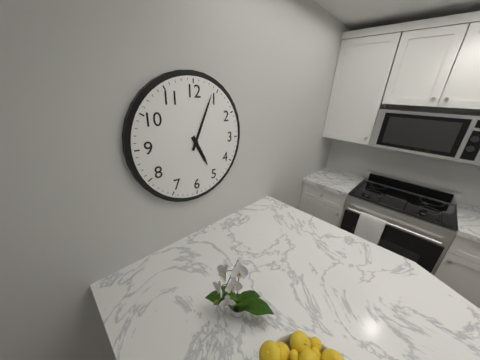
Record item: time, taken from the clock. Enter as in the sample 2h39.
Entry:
5h04
